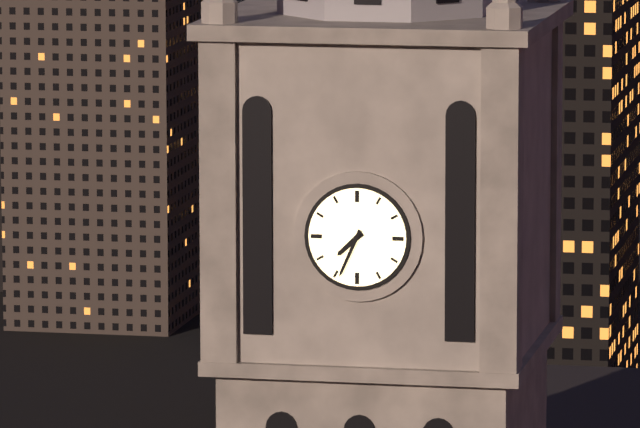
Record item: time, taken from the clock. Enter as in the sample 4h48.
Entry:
7h34
